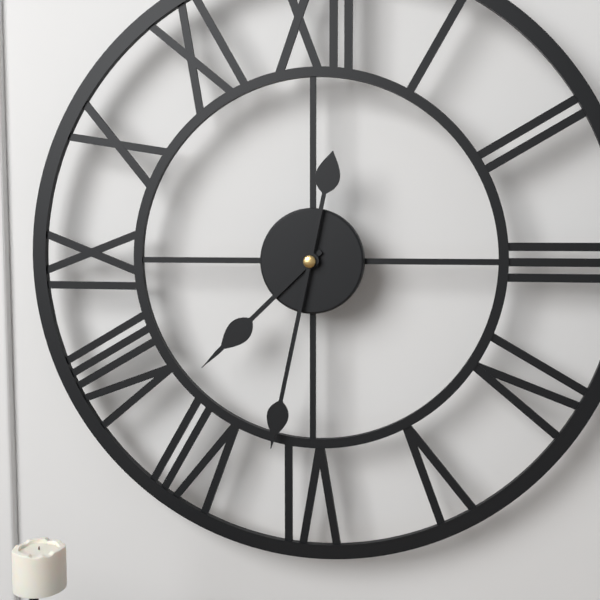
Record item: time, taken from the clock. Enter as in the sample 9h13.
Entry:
7h32
